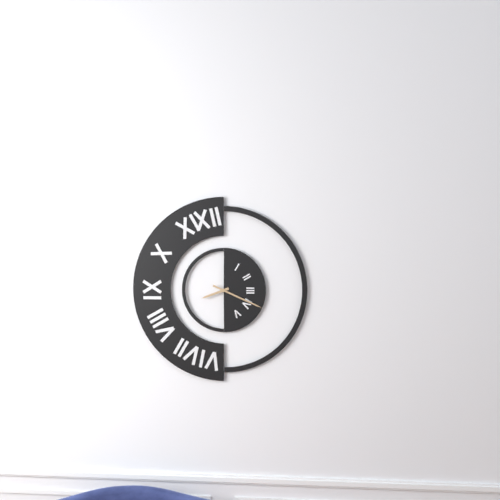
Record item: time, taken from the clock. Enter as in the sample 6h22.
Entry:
8h19
